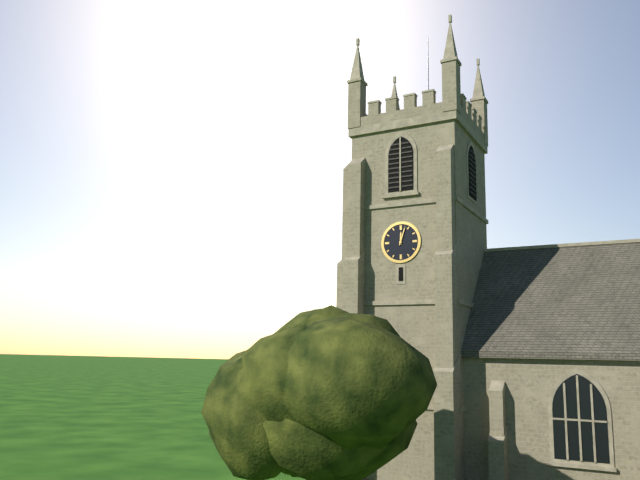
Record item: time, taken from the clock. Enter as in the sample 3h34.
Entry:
12h03
